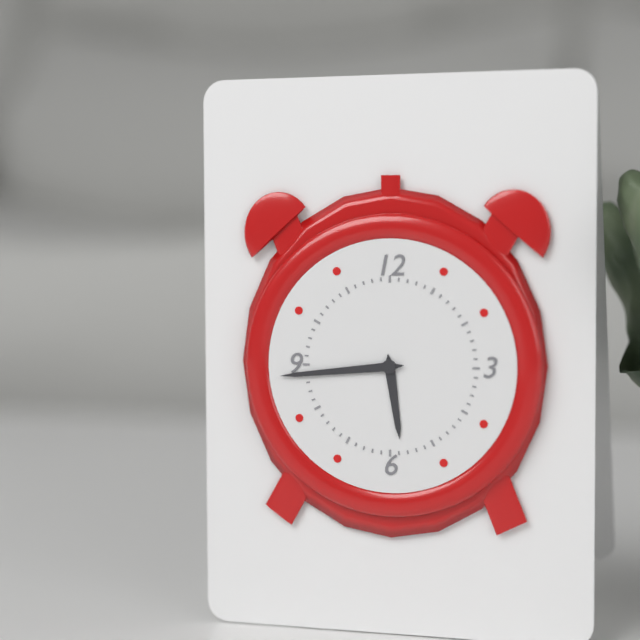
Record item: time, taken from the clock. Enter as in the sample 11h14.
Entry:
5h44
